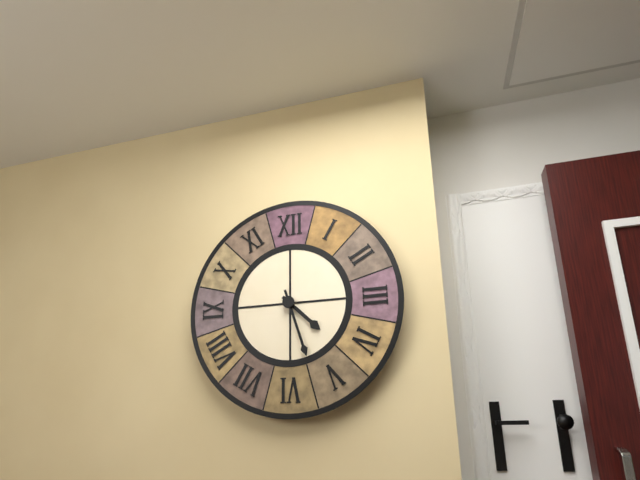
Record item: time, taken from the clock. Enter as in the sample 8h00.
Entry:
4h27
